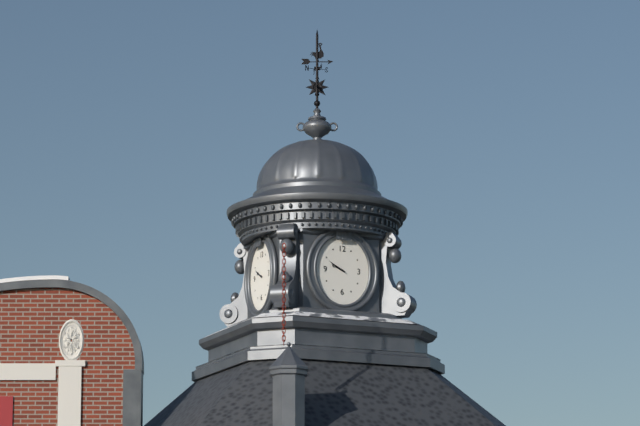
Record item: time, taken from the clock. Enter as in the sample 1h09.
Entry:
9h50
